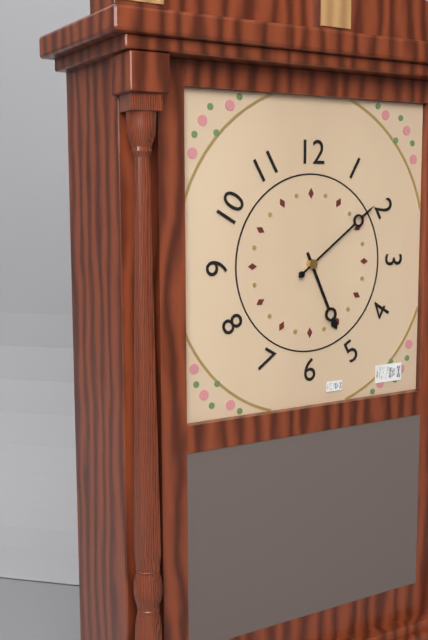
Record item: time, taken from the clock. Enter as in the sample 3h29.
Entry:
5h09
